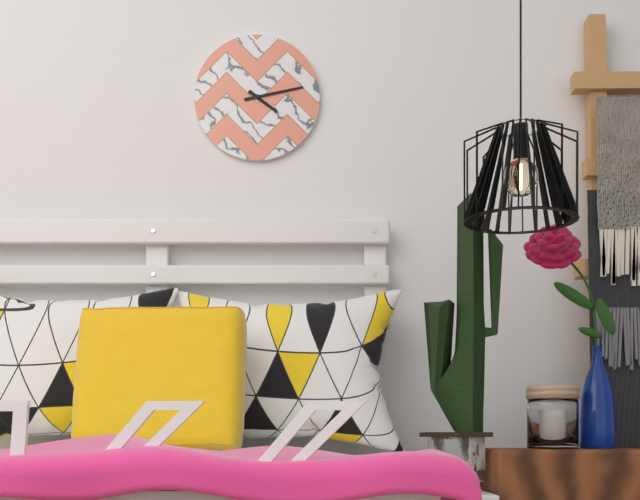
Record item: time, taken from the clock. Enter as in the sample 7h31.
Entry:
4h13
